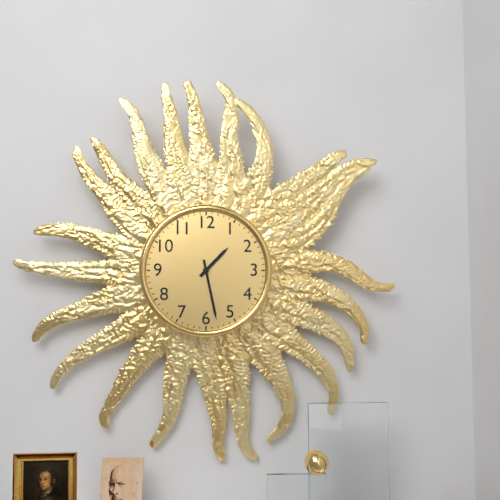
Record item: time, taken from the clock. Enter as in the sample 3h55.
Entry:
1h28
